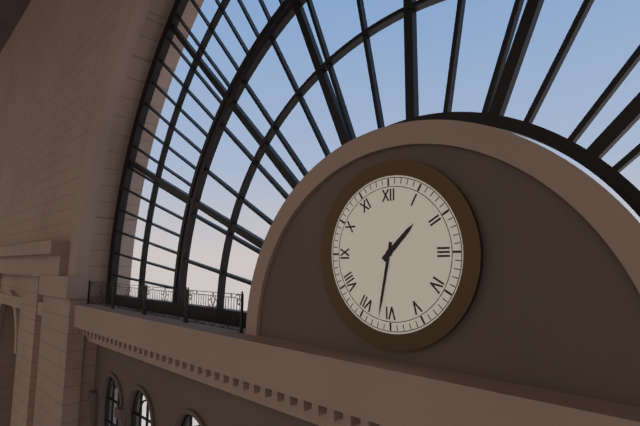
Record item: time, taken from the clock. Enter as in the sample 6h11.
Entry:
1h32
